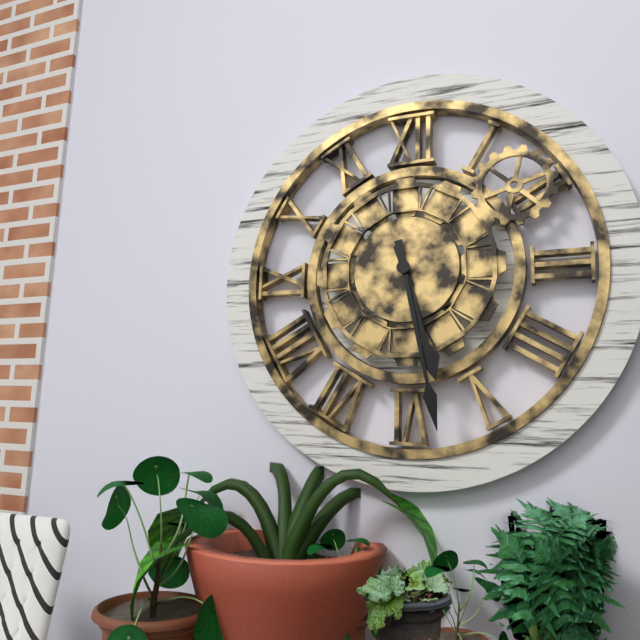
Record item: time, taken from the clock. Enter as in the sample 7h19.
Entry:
5h28
